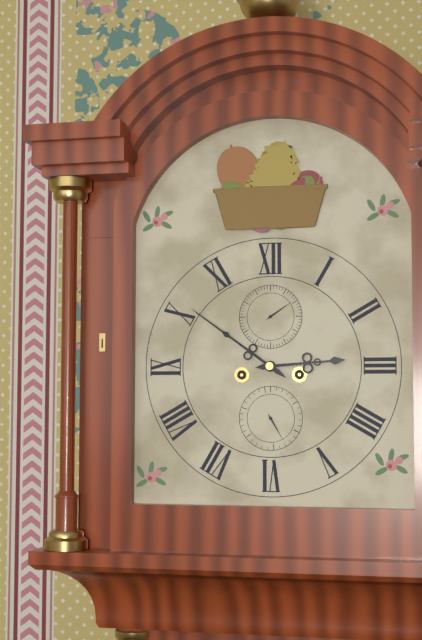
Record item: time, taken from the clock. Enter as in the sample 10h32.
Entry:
2h51
